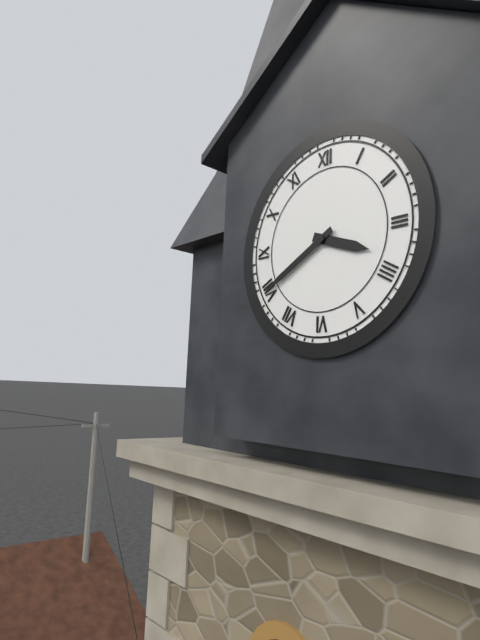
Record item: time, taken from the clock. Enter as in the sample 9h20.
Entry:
3h40
